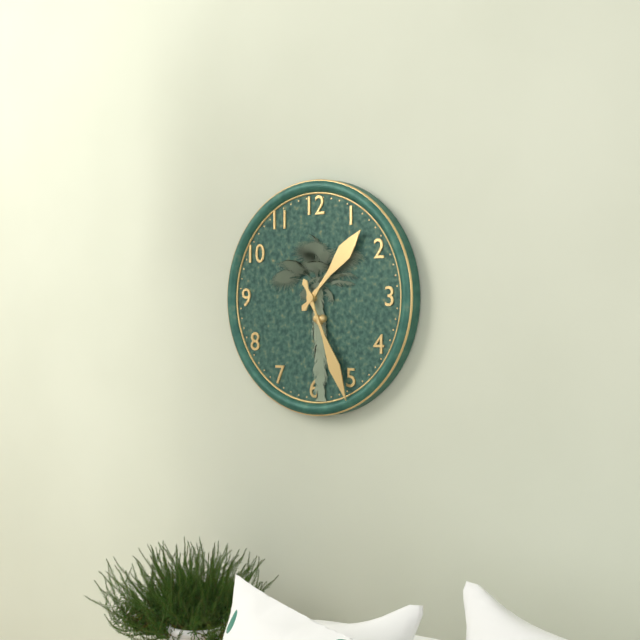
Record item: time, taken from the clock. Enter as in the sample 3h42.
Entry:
1h26
